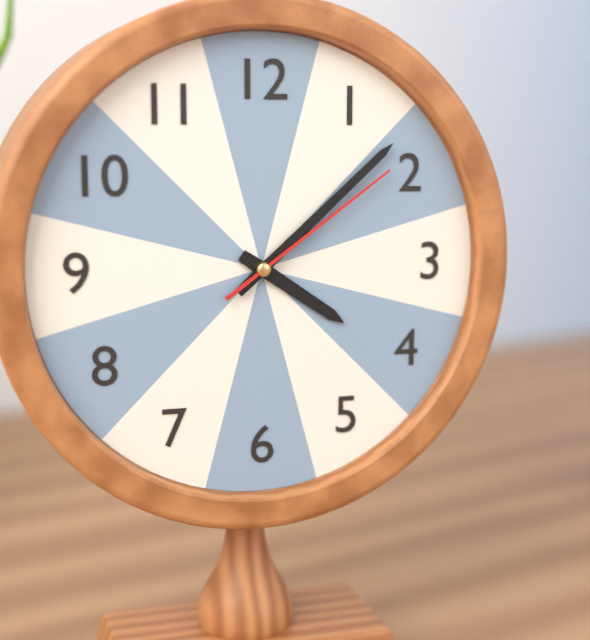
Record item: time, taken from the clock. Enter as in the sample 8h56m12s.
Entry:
4h08m09s
